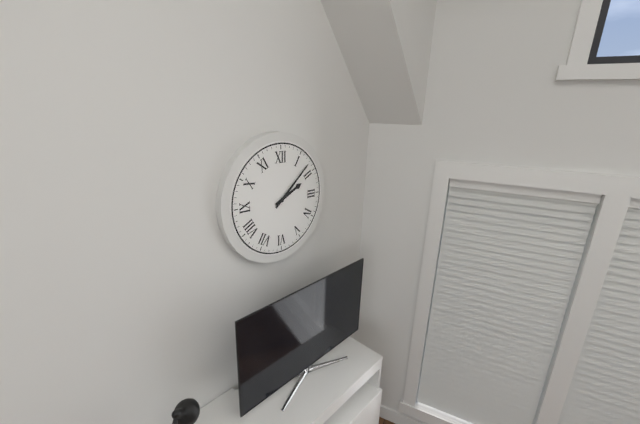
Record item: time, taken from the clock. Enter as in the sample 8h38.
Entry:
2h08
